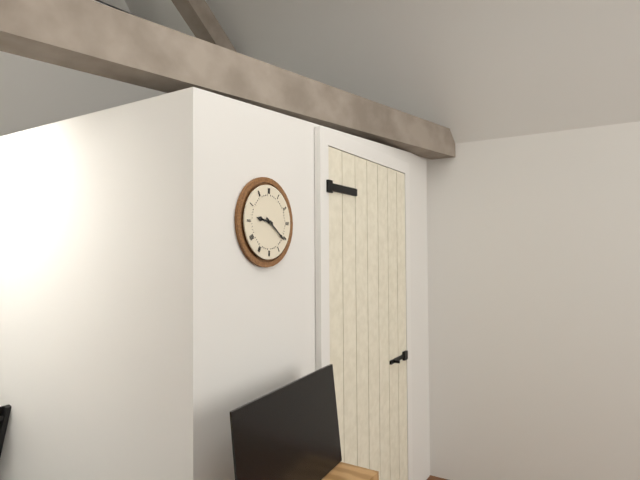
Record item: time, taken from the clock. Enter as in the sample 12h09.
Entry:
9h21
